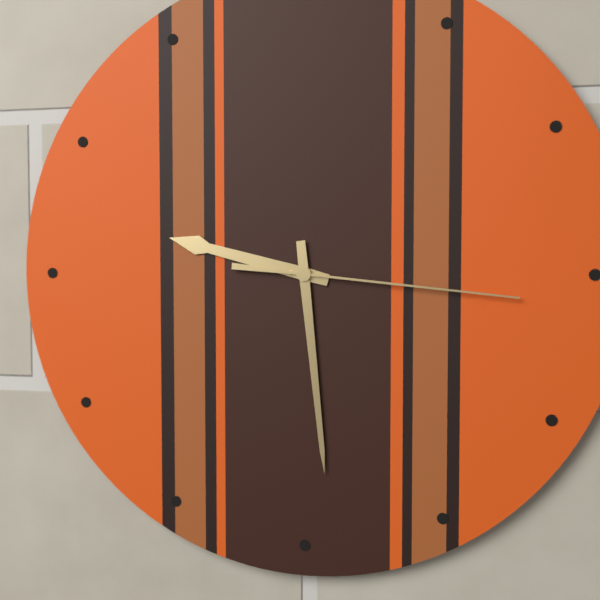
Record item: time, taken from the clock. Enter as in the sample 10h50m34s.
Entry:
9h29m16s
